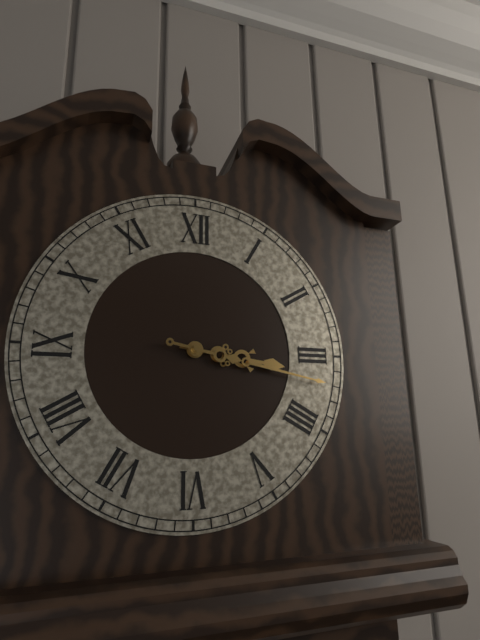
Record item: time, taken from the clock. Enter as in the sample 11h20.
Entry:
3h17
